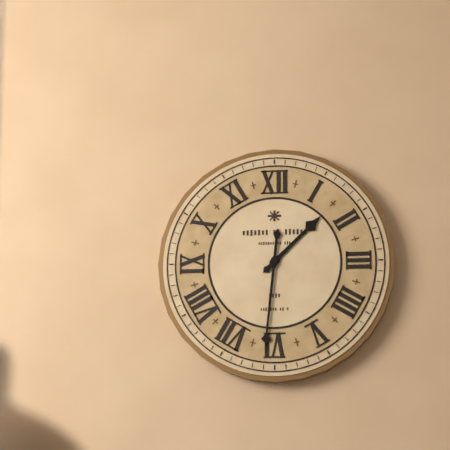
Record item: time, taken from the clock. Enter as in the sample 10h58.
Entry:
1h31
